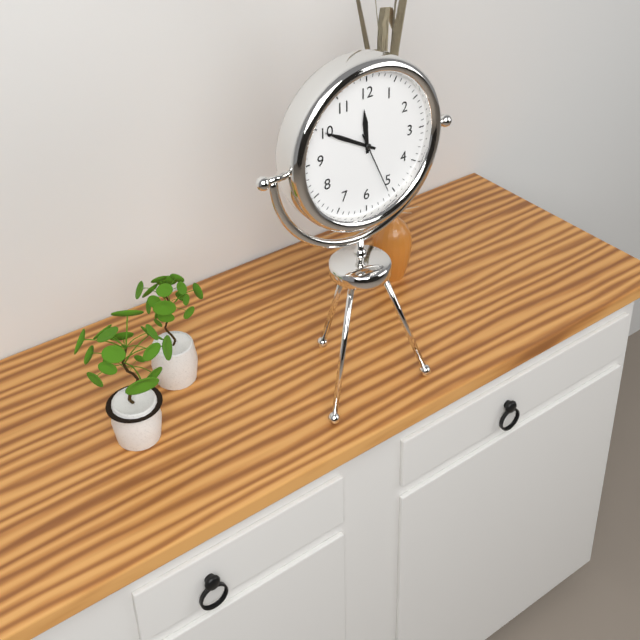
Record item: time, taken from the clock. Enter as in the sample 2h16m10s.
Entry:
11h50m26s
